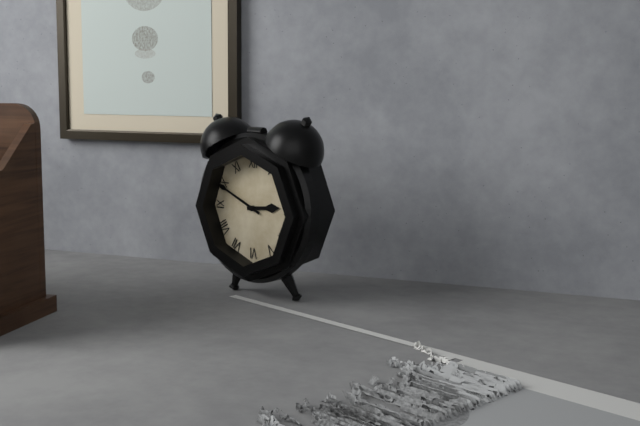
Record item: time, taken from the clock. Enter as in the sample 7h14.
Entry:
2h49
